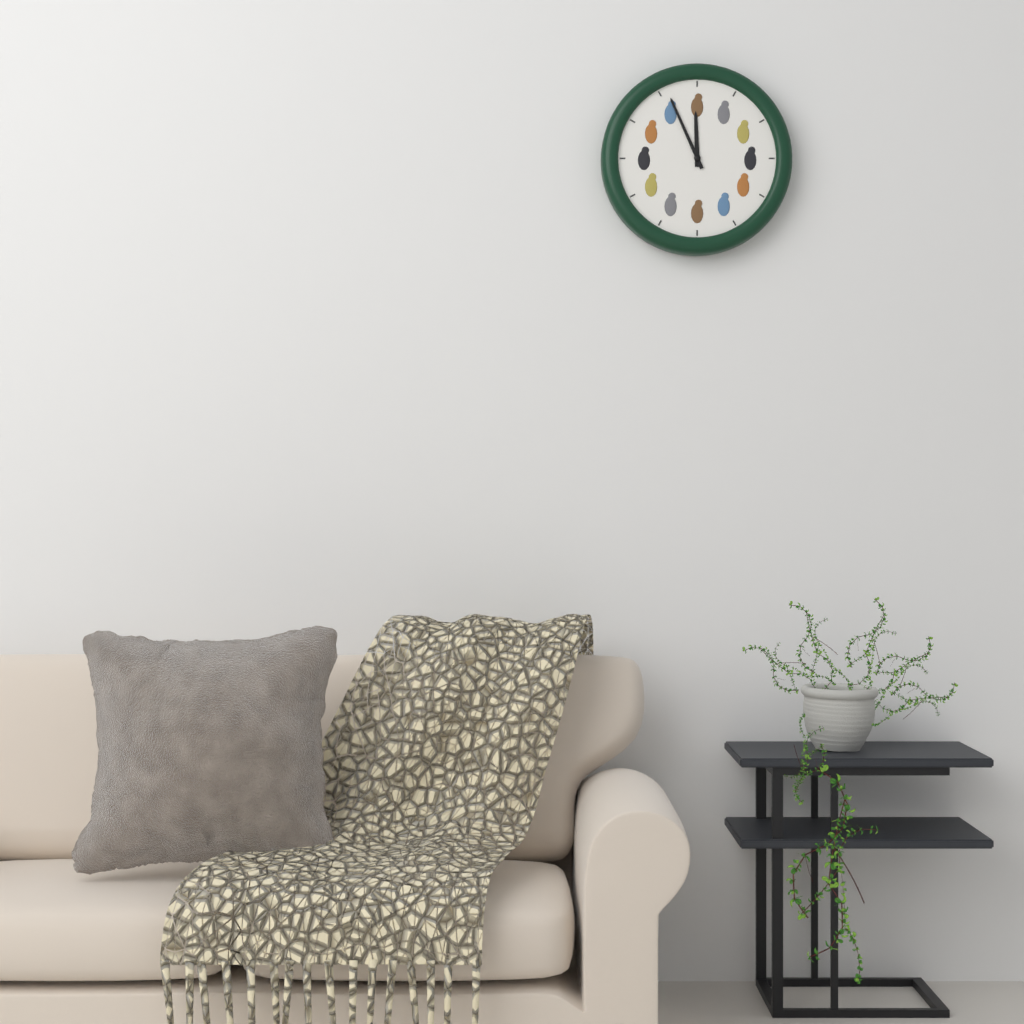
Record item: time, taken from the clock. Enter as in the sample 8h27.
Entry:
11h56
